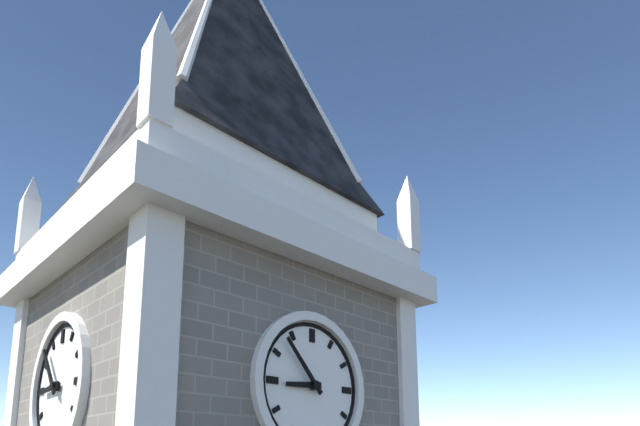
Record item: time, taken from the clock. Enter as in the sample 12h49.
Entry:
8h53
